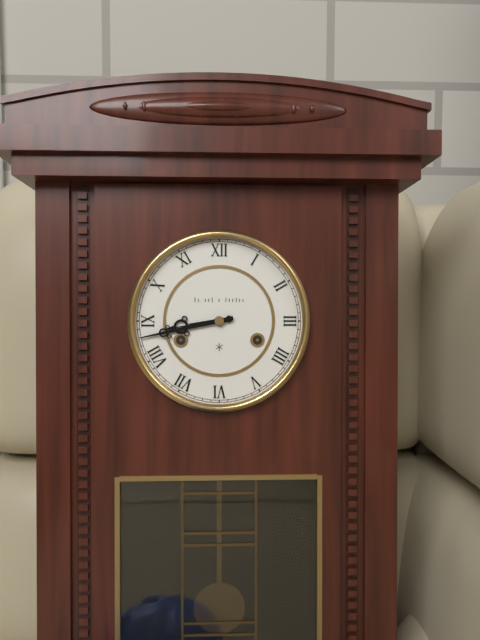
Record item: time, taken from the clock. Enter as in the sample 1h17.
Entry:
8h43
